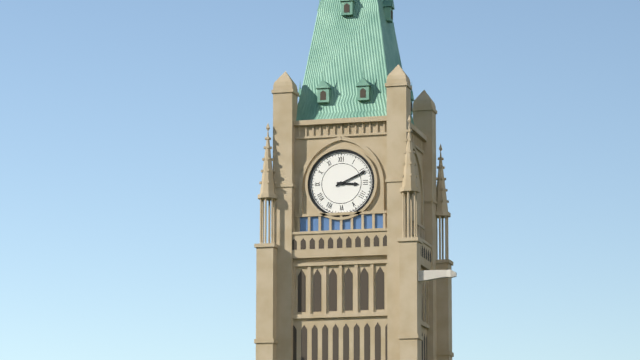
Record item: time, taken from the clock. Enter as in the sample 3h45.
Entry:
3h11
